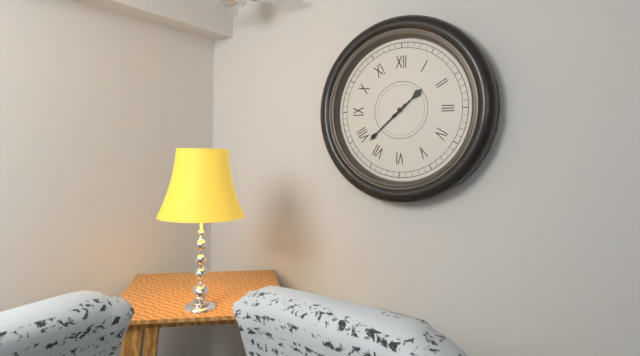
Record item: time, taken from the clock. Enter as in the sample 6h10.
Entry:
1h38
